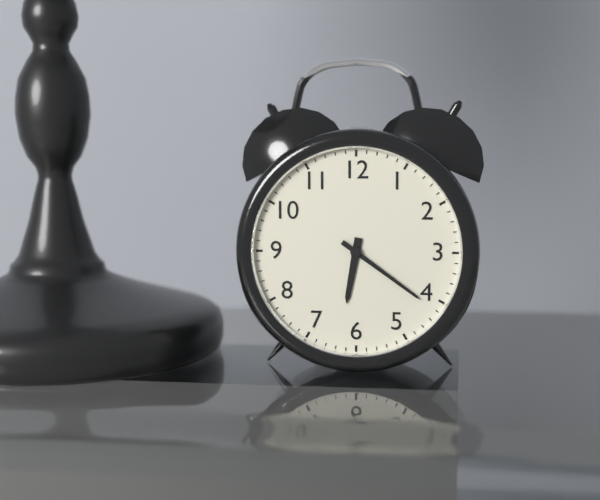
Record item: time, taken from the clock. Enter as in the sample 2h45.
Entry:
6h21
